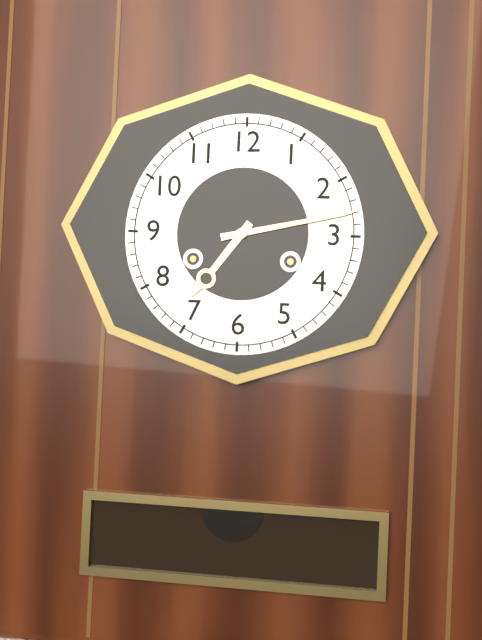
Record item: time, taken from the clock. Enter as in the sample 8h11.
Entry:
7h13
